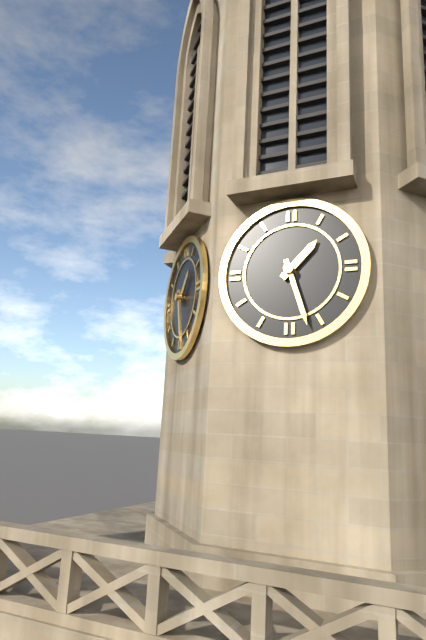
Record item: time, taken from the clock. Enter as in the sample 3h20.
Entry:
1h27
